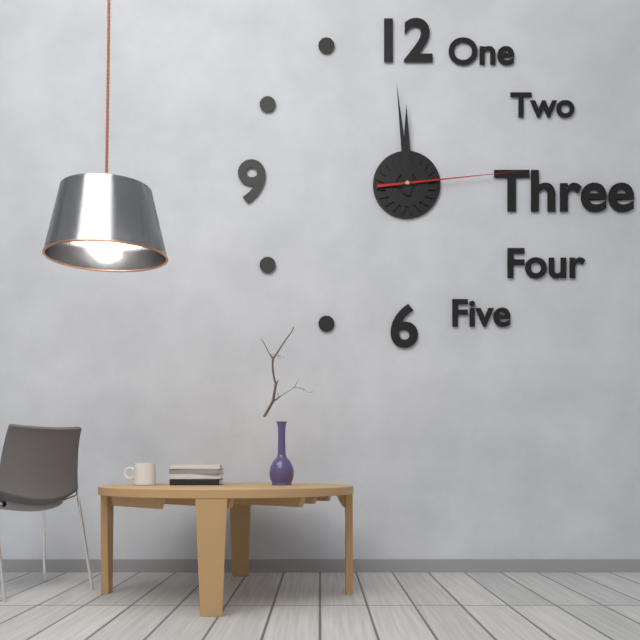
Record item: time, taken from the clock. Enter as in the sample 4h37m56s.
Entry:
11h59m14s
